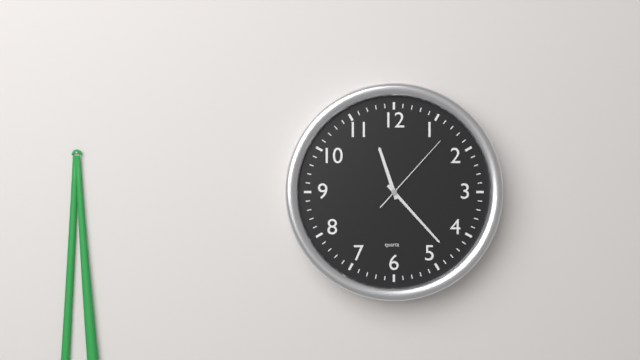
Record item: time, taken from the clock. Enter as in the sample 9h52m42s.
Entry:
11h23m07s
